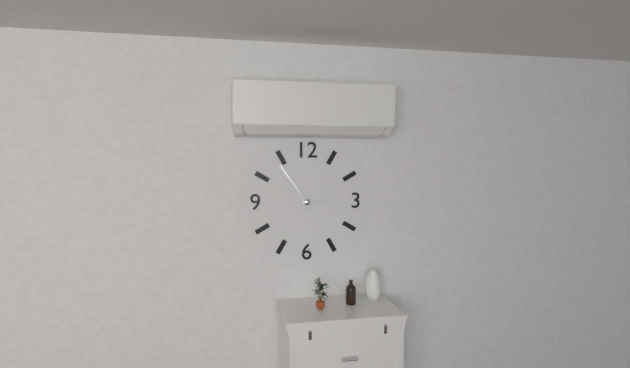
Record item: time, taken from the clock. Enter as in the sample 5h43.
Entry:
2h54
